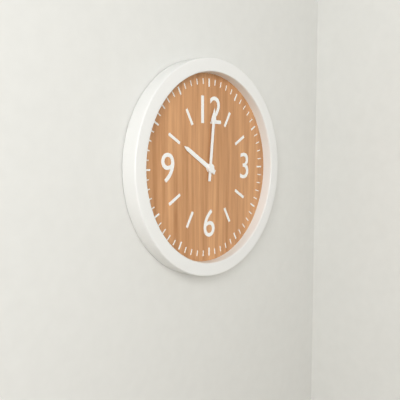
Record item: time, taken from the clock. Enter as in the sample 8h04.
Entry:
10h01
